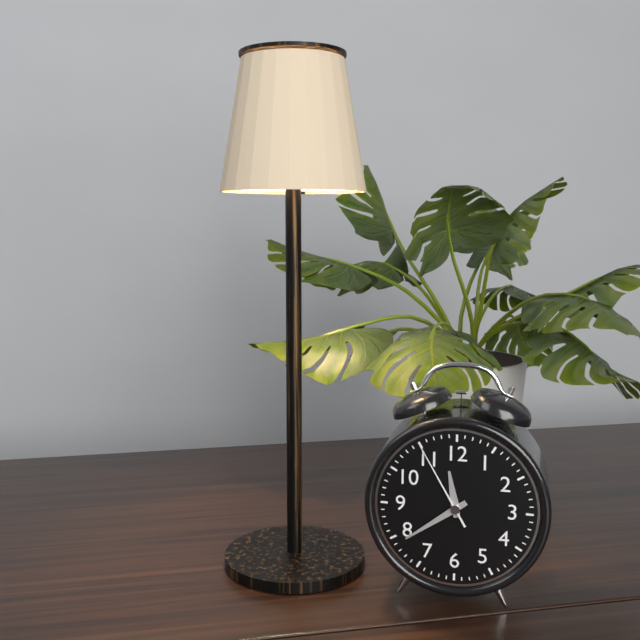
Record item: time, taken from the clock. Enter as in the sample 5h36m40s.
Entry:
11h39m55s
